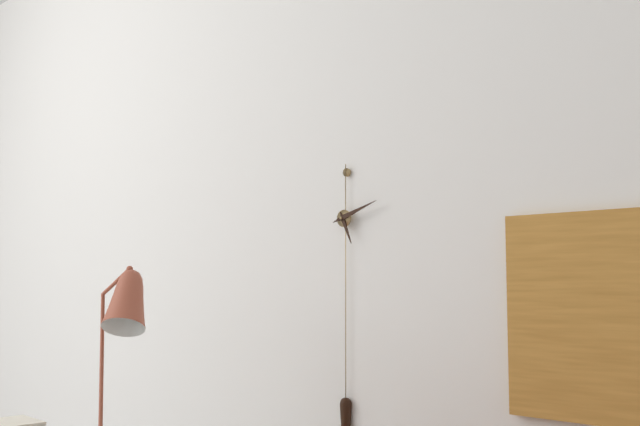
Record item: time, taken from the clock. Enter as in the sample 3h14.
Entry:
5h12
